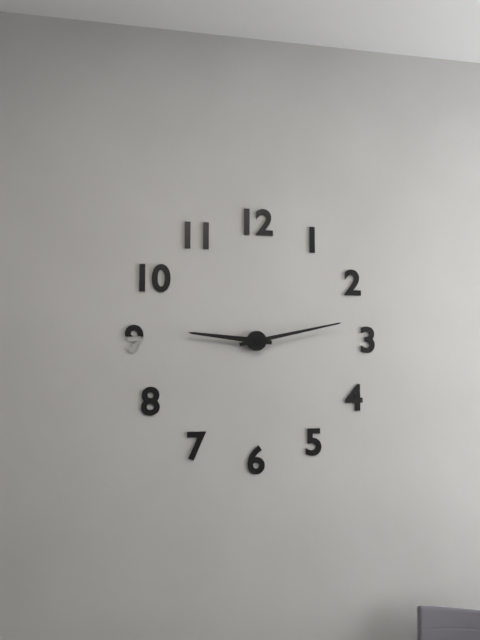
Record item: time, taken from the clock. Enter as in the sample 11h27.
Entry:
9h13
